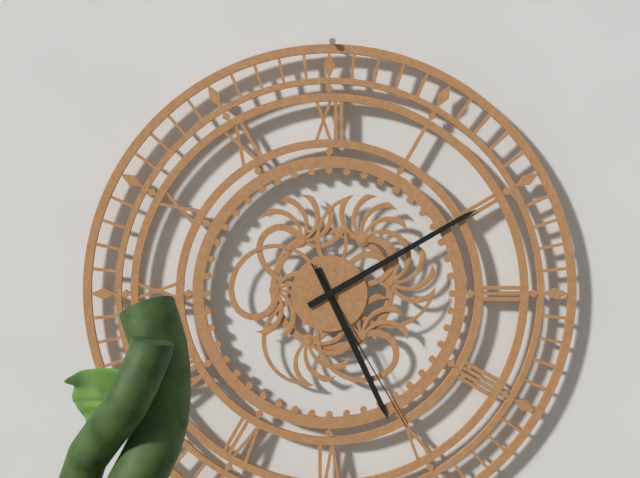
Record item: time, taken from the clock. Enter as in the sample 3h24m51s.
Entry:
5h10m25s
